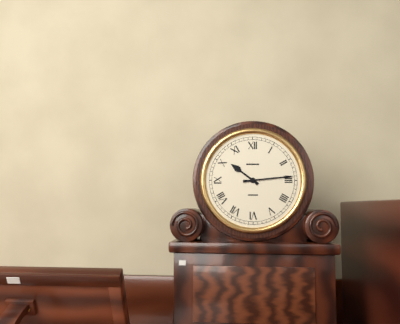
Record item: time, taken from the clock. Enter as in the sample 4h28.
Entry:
10h14
